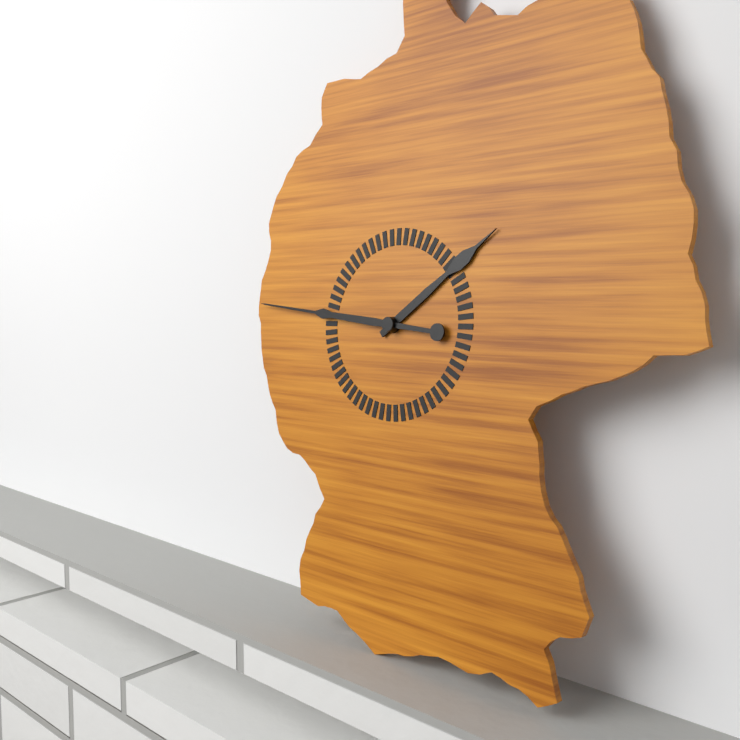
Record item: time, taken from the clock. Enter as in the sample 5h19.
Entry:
1h46
